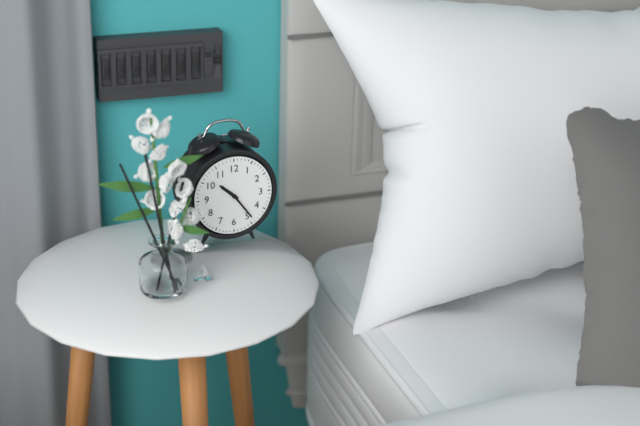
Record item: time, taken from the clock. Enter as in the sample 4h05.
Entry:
10h24
